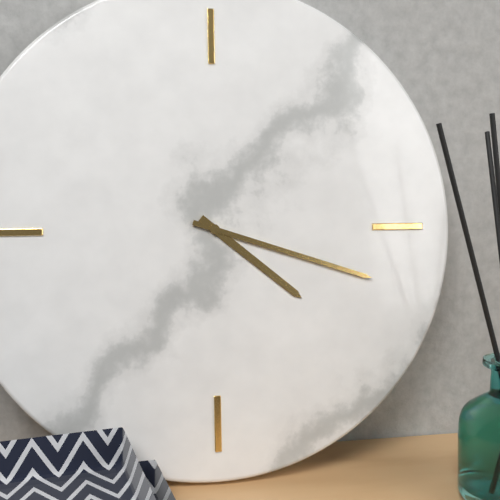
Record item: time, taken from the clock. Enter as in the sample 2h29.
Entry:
4h18
